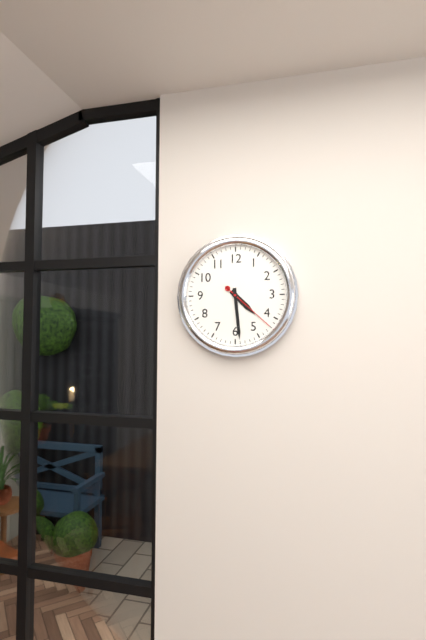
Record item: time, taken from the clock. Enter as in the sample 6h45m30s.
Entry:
4h29m22s
